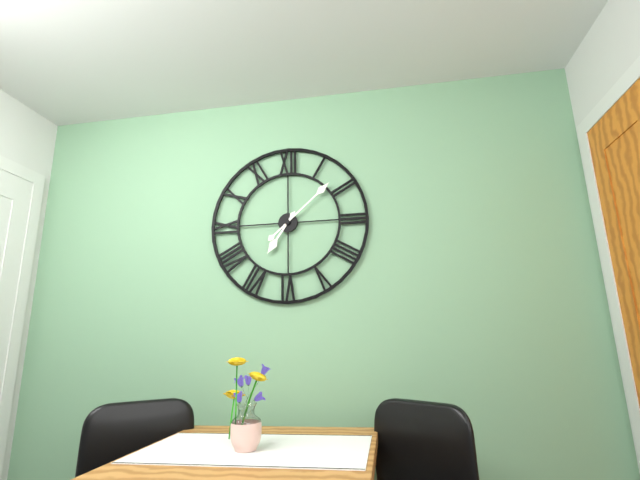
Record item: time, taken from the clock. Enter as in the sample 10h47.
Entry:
7h08
